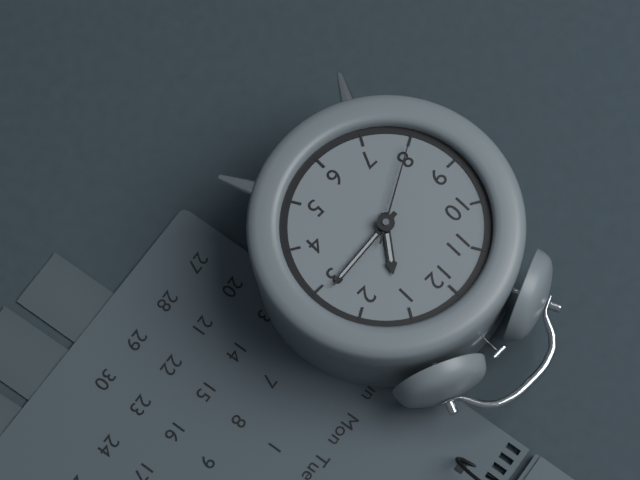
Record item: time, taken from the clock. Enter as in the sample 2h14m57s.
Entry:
1h14m40s
